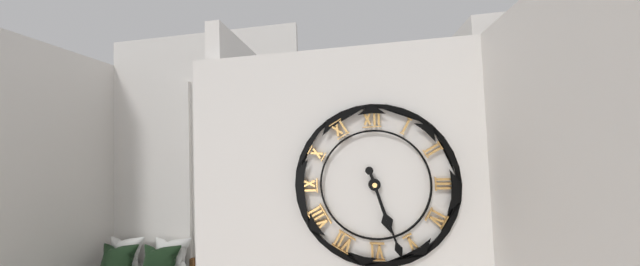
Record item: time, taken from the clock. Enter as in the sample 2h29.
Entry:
5h27
